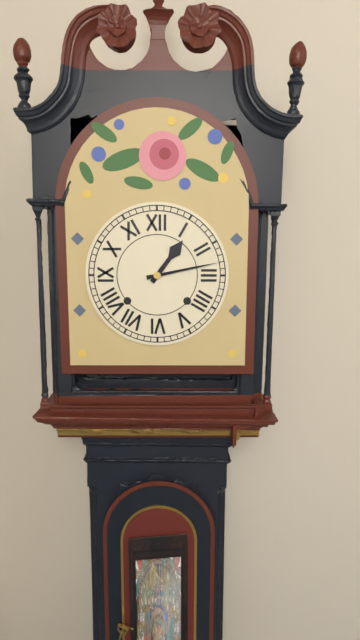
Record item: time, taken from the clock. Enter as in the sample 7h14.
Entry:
1h13
